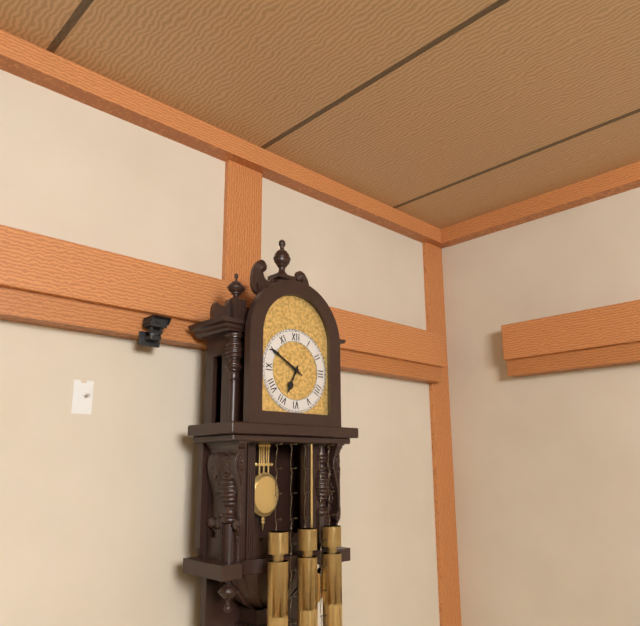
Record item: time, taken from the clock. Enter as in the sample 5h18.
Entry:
6h50
